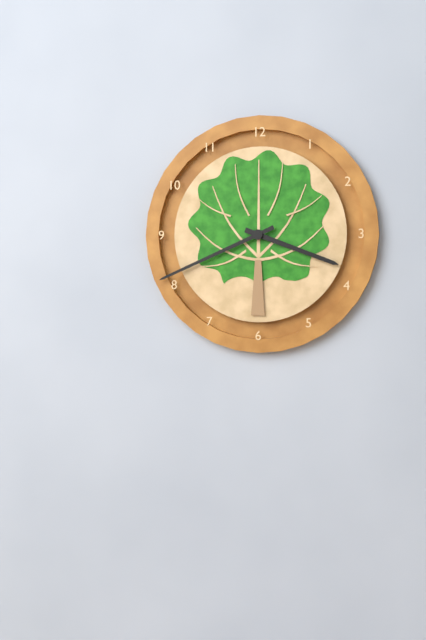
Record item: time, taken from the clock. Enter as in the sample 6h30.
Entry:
3h41
